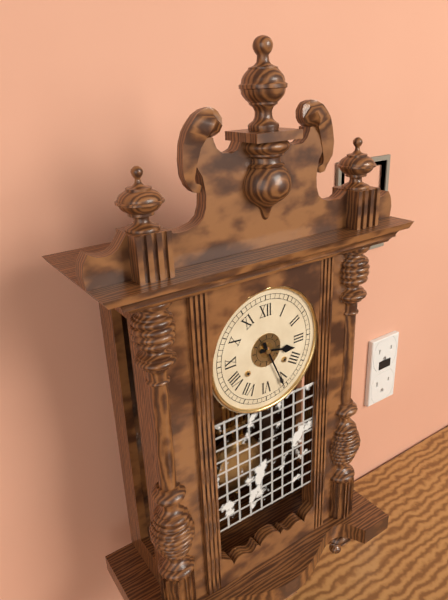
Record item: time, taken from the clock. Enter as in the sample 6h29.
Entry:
3h26
